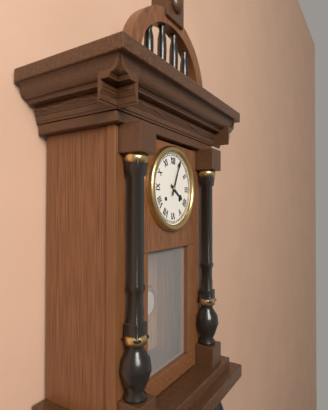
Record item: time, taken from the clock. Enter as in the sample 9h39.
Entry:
4h04
